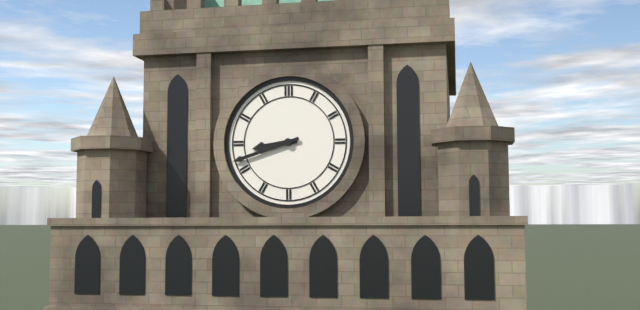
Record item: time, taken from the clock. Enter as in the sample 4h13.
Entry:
8h42
